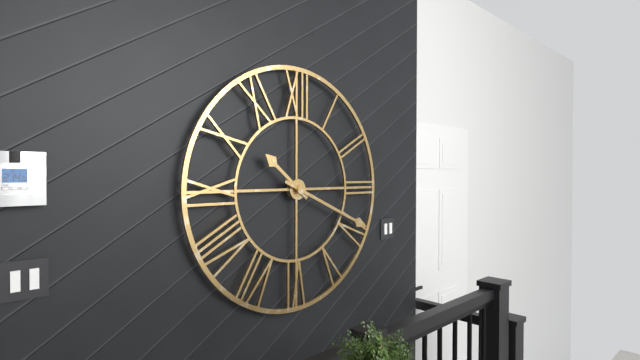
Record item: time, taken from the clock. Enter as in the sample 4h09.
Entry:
10h19
